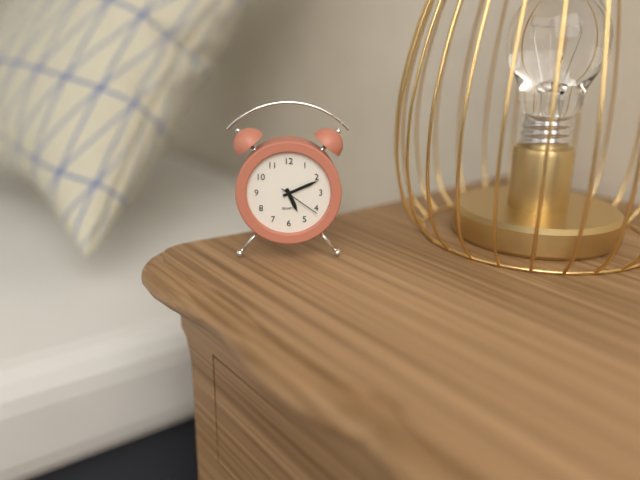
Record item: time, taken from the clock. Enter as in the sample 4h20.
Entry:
5h11
